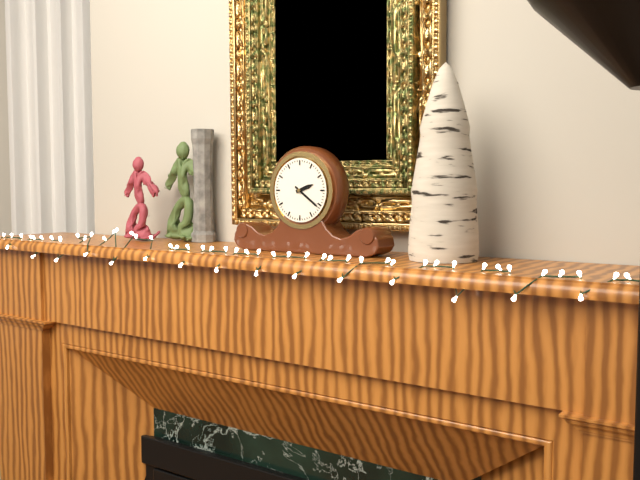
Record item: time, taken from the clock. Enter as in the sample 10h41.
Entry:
2h21
